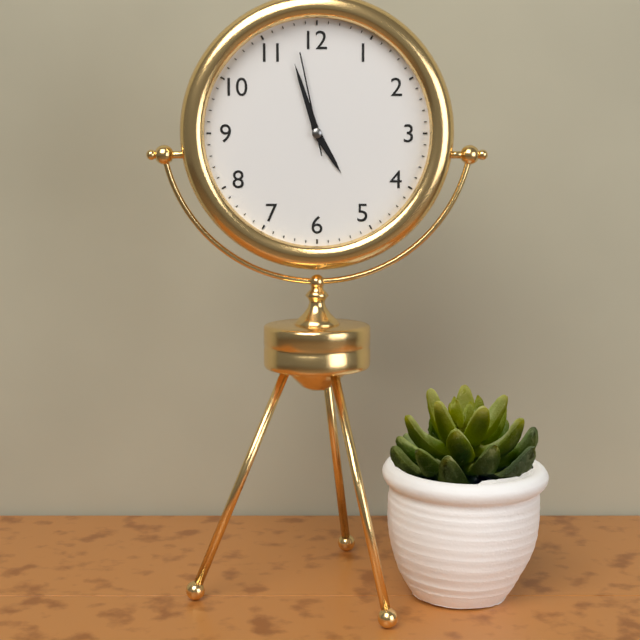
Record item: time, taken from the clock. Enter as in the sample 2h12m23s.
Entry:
4h57m58s
